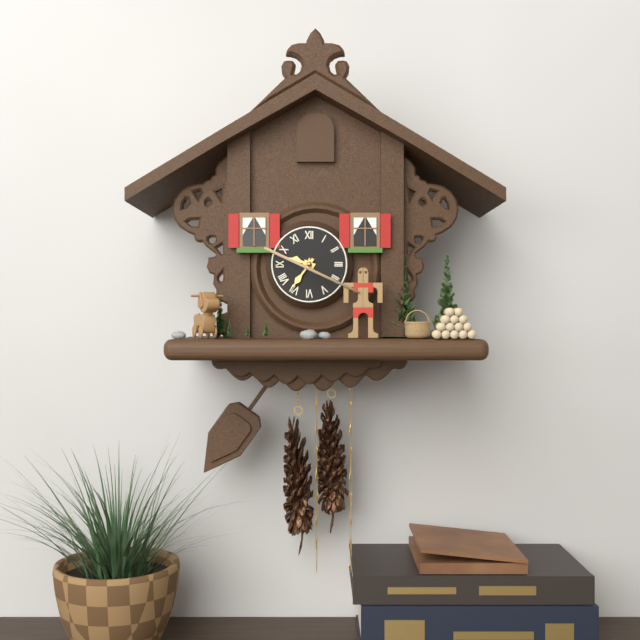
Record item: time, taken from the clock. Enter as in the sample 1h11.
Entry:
9h36
